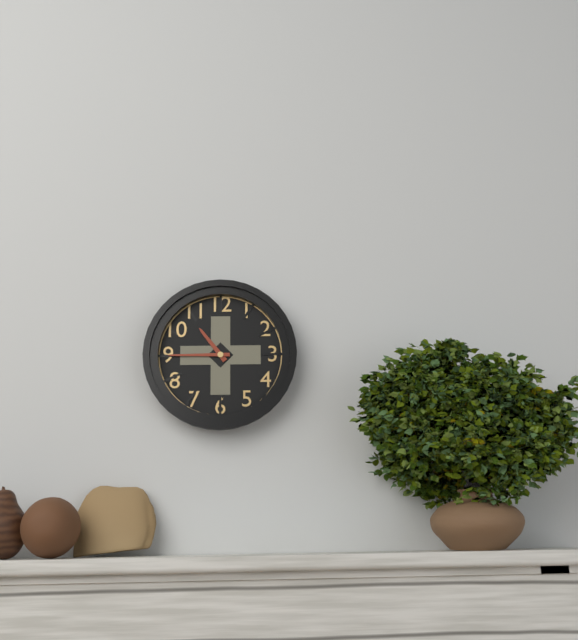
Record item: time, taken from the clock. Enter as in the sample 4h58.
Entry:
10h45
